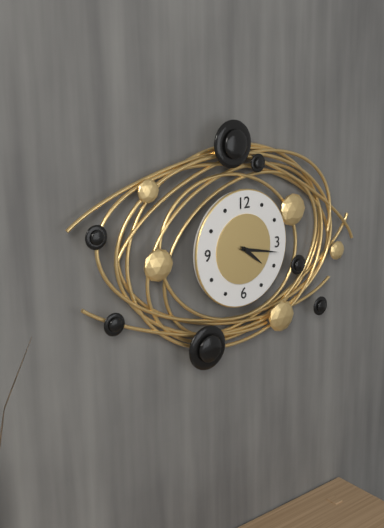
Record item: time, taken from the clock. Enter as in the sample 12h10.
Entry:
4h17
